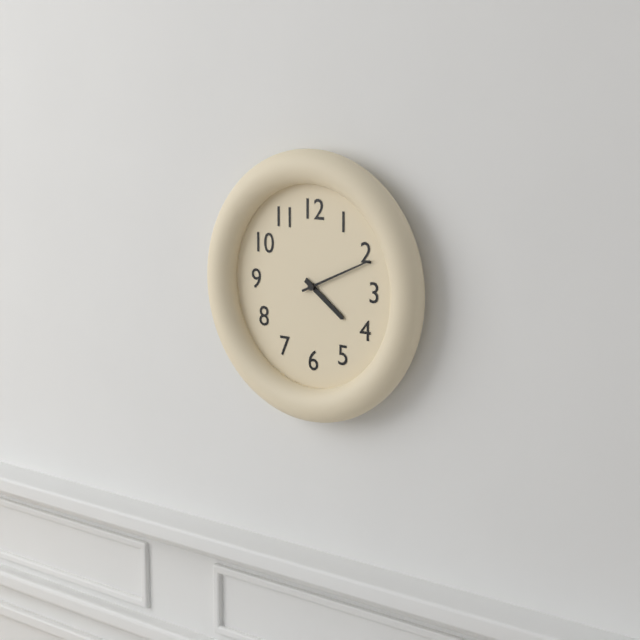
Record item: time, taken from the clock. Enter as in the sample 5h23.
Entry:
4h11
